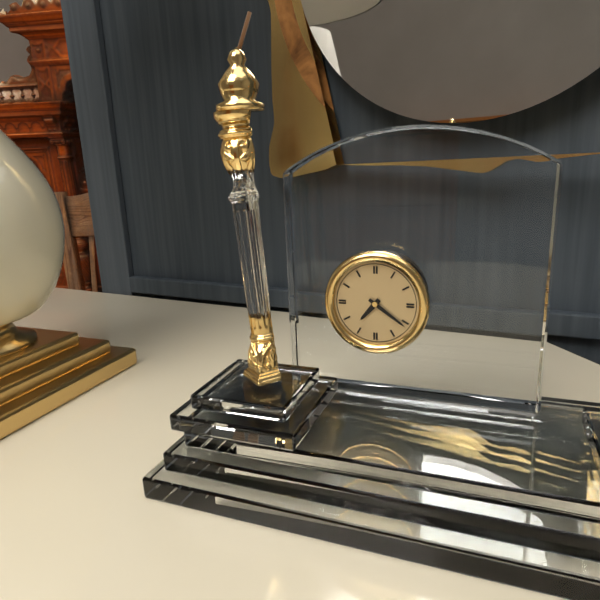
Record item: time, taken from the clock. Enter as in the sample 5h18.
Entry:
7h21
